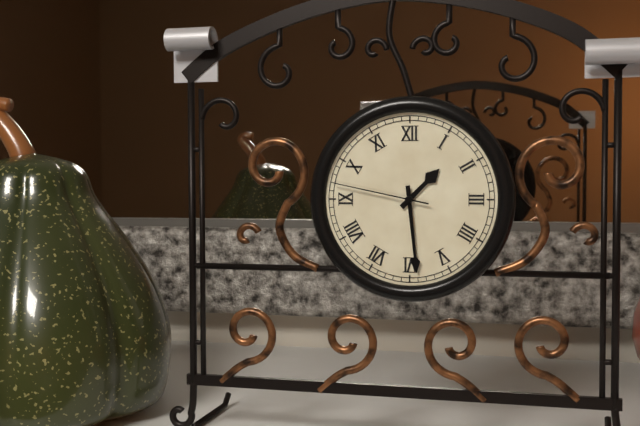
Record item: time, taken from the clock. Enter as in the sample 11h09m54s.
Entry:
1h29m47s
